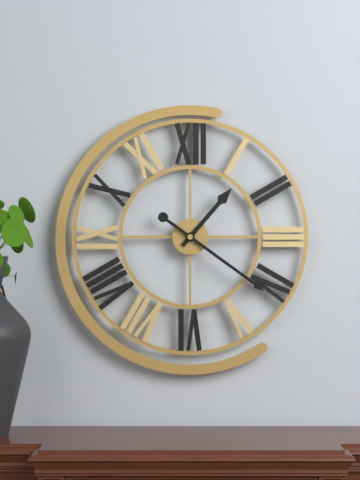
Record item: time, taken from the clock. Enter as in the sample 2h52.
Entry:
1h21
